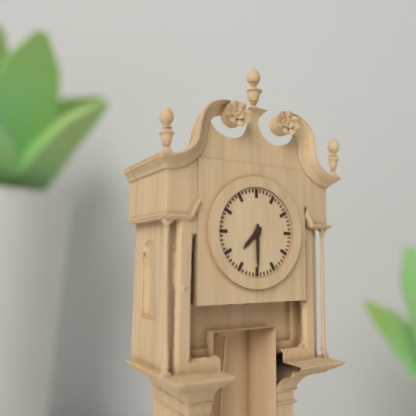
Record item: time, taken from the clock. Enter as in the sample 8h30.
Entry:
7h30
